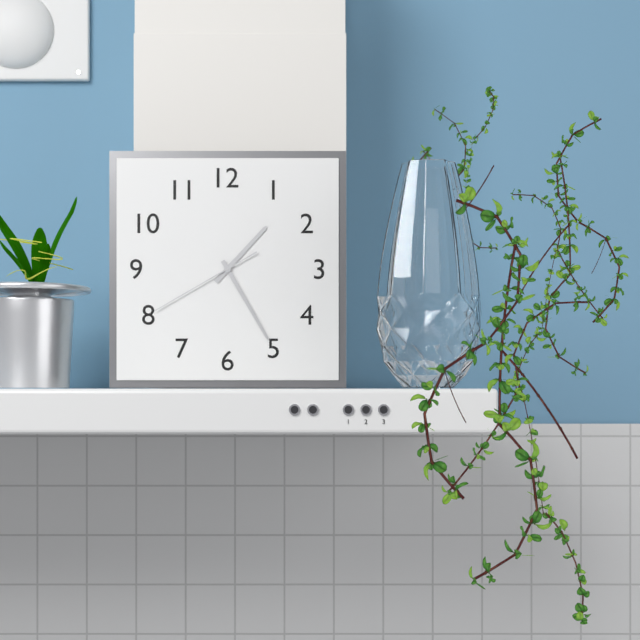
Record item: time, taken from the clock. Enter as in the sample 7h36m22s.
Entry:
1h25m40s
